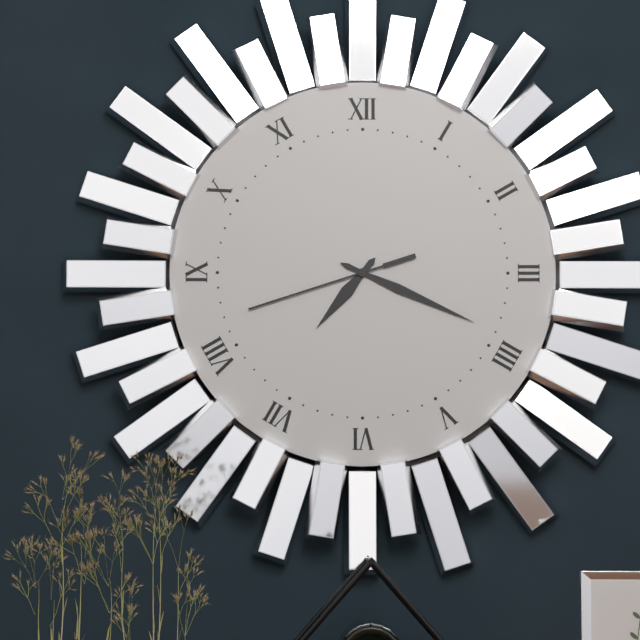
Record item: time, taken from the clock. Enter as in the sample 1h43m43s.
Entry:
7h19m42s
